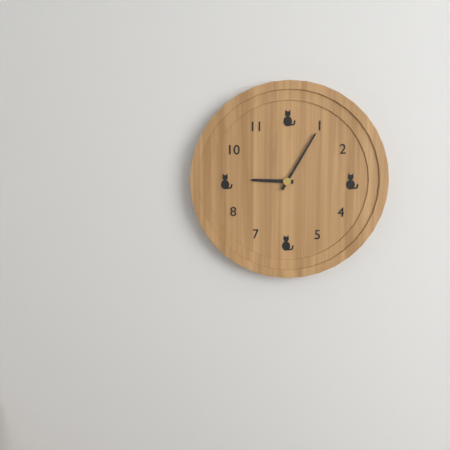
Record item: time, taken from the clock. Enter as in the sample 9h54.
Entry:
9h05
